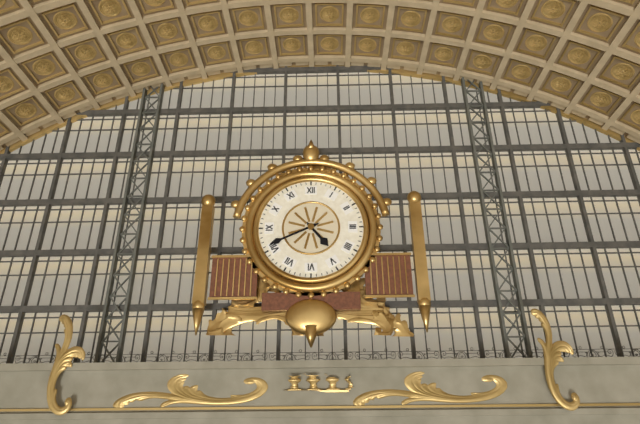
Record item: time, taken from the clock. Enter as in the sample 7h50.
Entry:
4h41
